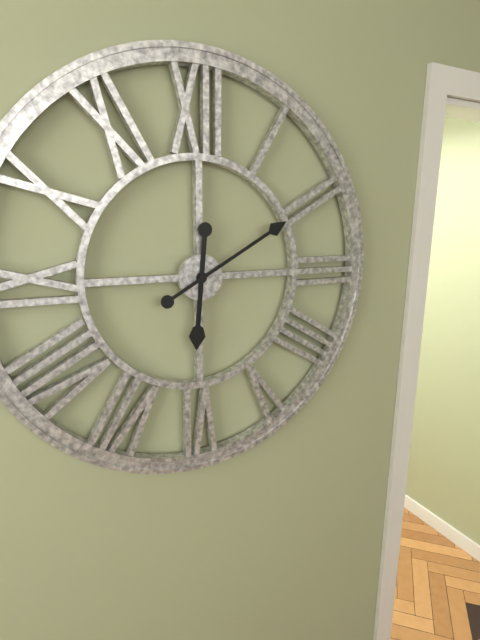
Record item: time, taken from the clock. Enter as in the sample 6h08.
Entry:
6h10
